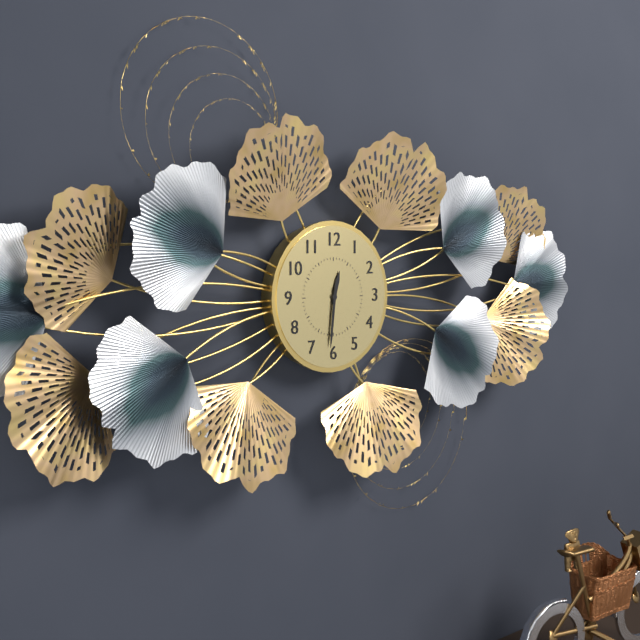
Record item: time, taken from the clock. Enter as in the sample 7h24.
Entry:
12h31
